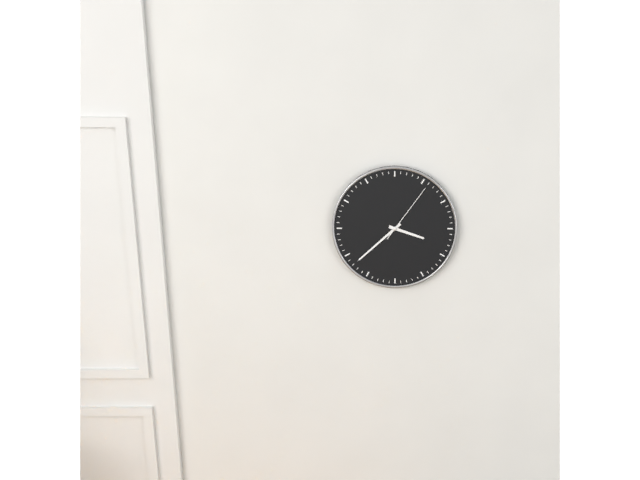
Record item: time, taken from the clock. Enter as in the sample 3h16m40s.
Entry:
3h38m06s
